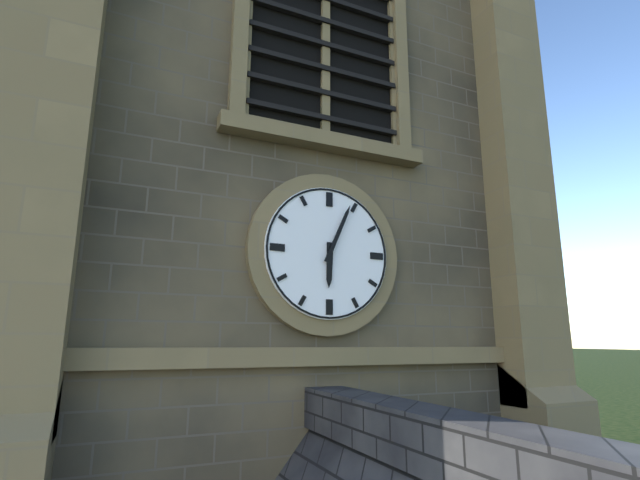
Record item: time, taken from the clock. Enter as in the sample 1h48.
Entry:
6h04
